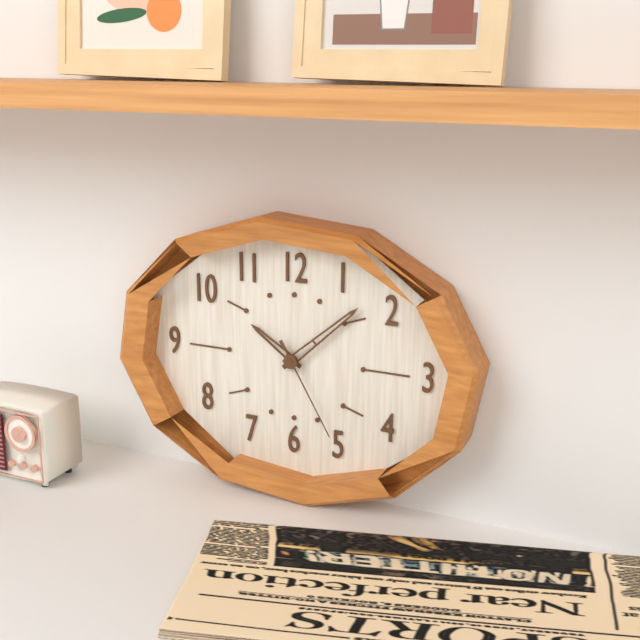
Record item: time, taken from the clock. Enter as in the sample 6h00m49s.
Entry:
10h08m25s
